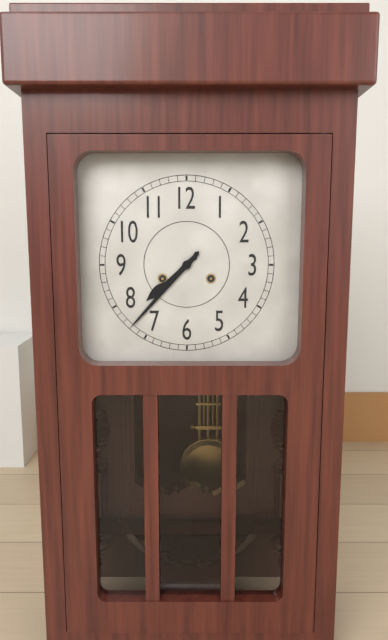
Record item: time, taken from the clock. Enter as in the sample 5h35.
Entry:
7h37
